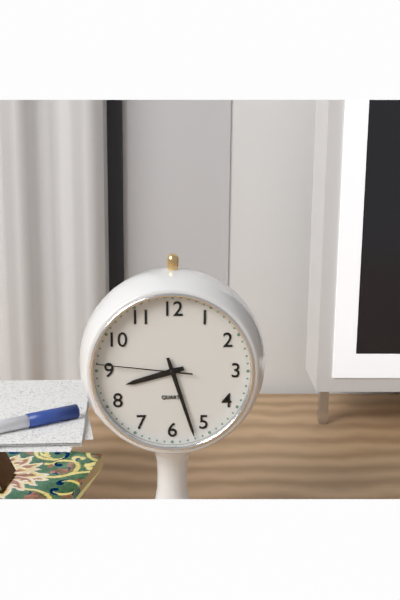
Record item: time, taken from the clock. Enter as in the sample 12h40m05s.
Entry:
8h27m46s
